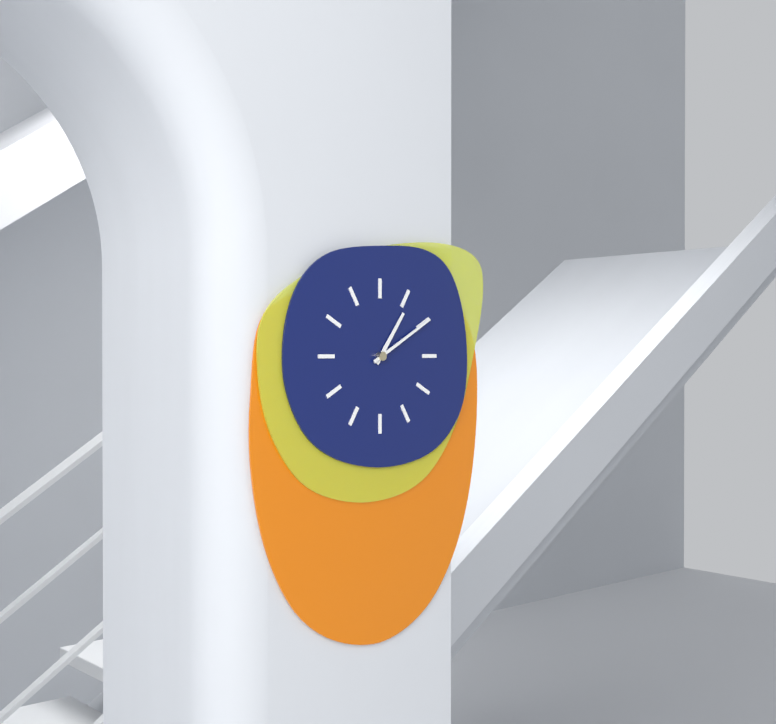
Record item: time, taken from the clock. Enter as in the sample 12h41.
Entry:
1h10
